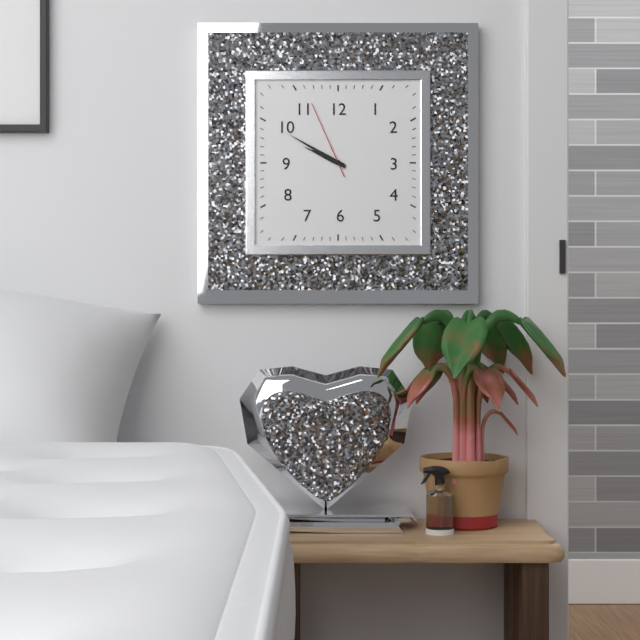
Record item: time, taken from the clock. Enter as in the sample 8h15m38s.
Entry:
9h50m56s
